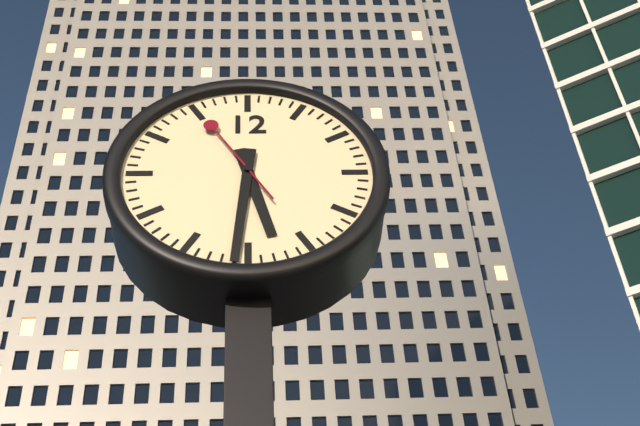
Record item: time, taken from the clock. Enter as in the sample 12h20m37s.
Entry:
5h31m55s
